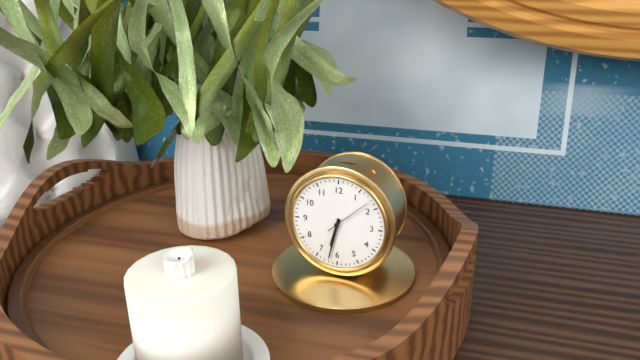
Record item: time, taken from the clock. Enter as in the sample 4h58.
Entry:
6h32
